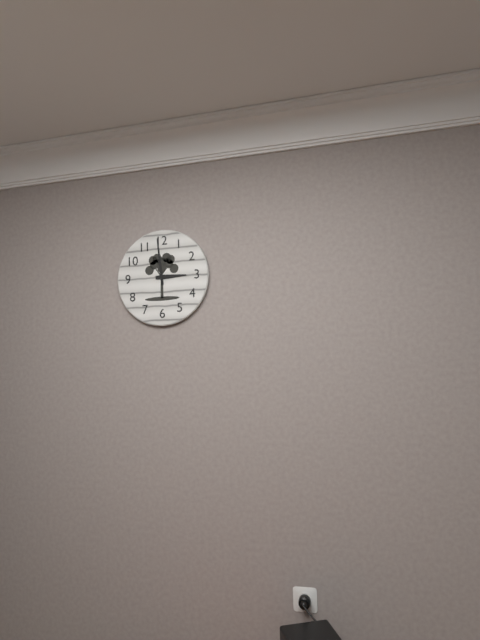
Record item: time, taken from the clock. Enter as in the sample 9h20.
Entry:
2h59
